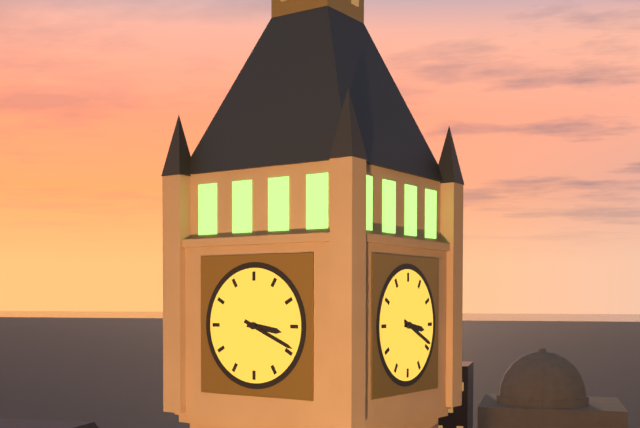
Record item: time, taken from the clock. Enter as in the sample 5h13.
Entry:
3h19
